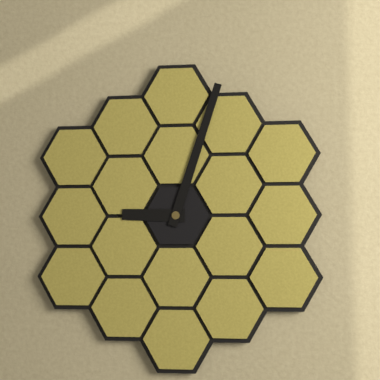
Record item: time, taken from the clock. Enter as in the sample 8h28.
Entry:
9h03
